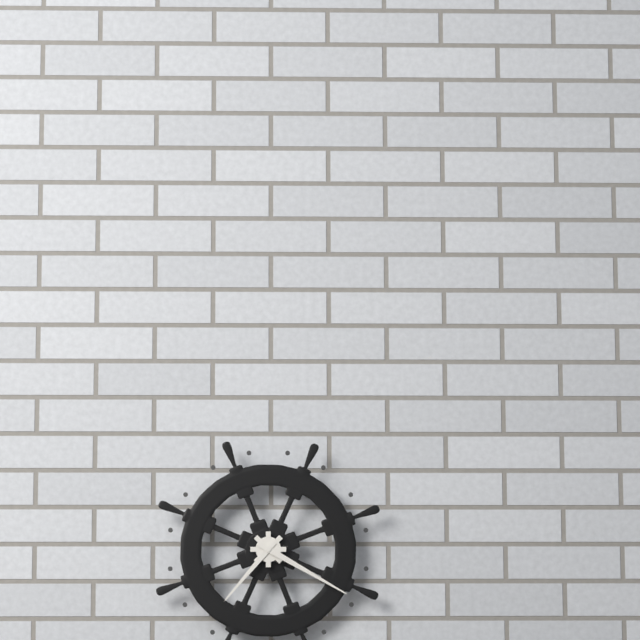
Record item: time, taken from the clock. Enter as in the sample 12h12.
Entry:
7h20
